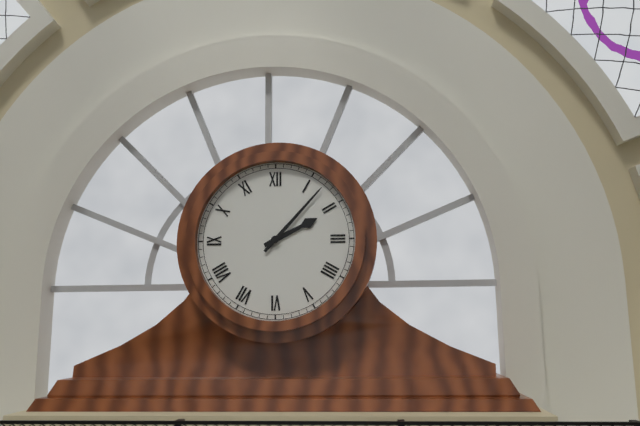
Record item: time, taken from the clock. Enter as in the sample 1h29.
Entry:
2h07
